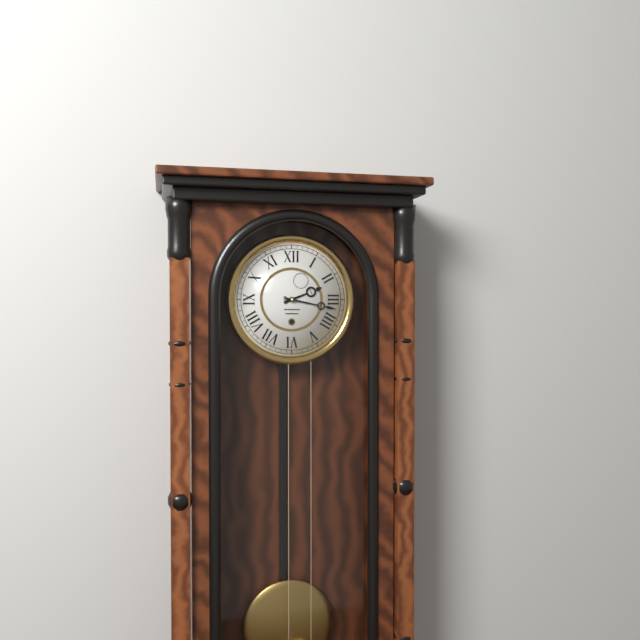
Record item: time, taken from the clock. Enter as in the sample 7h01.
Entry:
2h17
